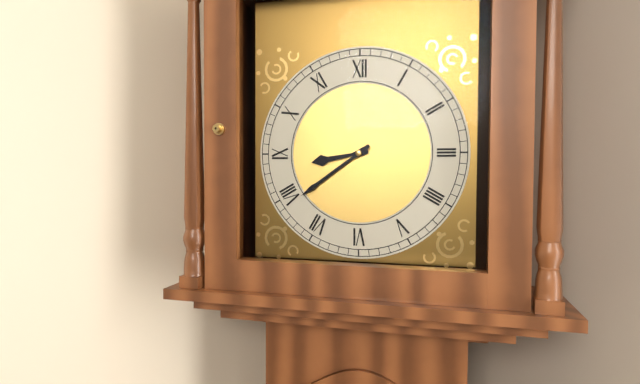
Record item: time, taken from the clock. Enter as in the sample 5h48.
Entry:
8h39
